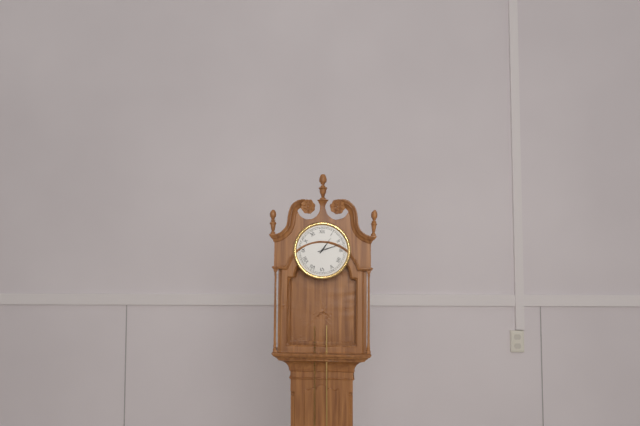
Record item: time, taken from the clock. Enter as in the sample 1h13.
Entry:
1h12
